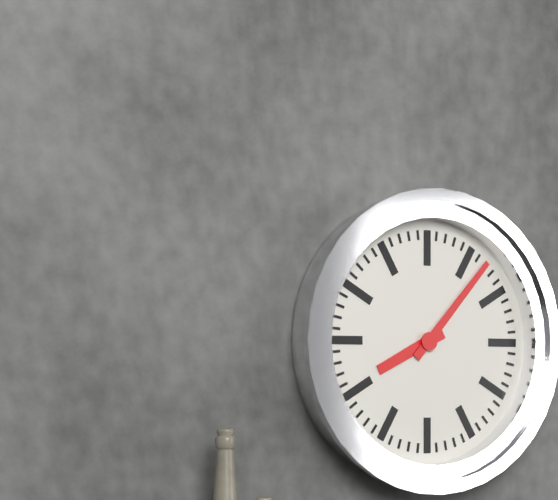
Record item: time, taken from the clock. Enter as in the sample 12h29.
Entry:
8h07
